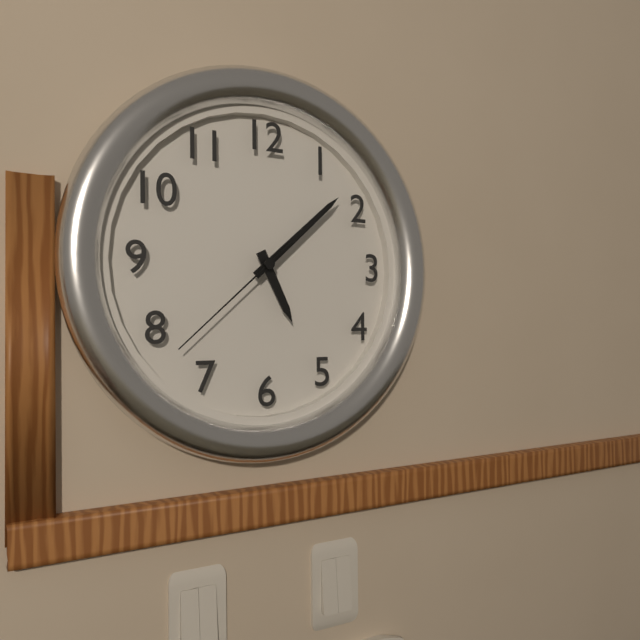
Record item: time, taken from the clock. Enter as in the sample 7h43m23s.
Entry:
5h08m38s
